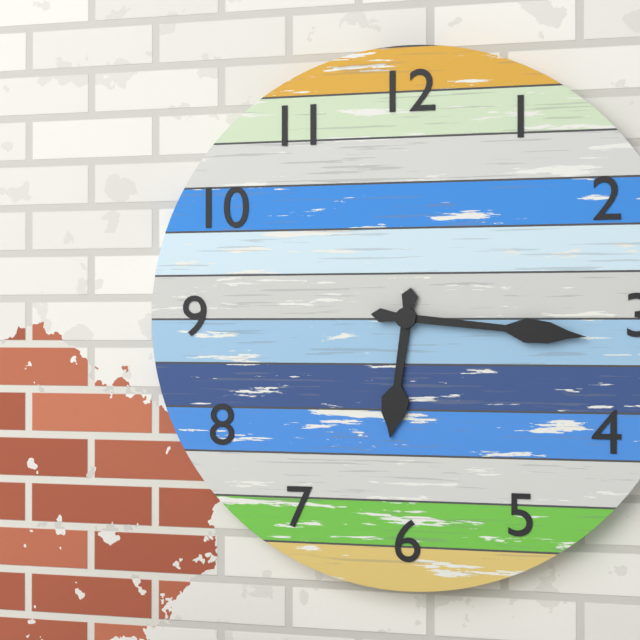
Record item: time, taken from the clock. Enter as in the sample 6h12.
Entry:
6h16
